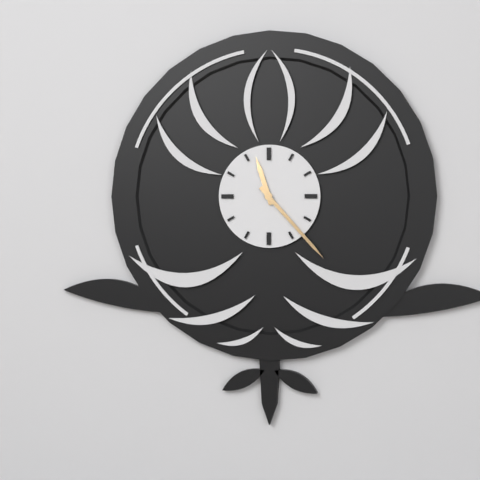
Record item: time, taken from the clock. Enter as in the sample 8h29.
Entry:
11h23
